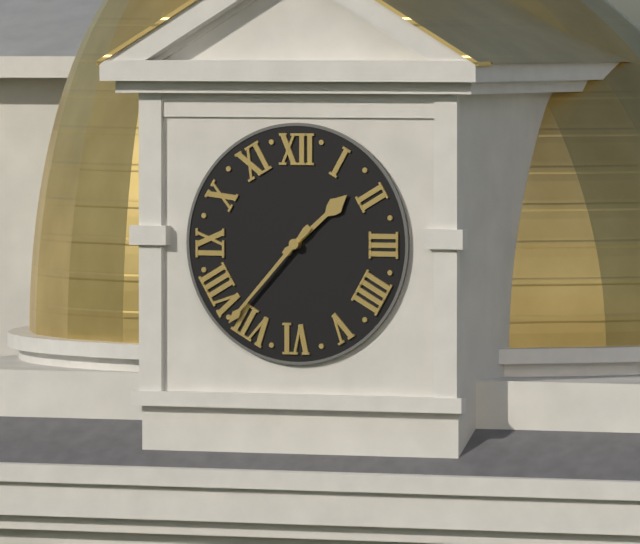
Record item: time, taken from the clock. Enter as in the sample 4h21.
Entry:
1h37
